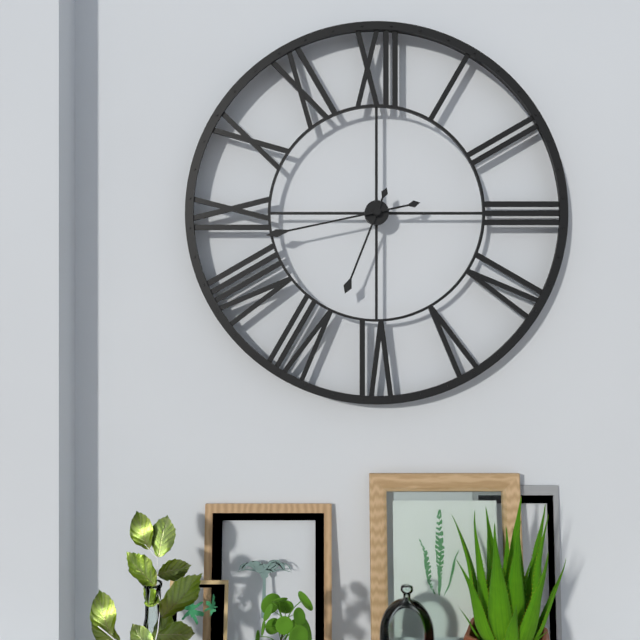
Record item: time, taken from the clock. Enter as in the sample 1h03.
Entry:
6h43
